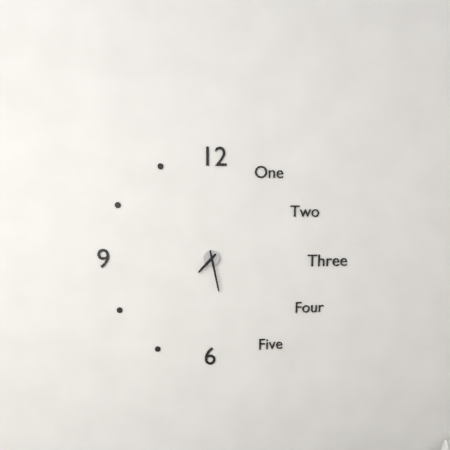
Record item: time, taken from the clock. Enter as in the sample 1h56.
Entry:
7h28
